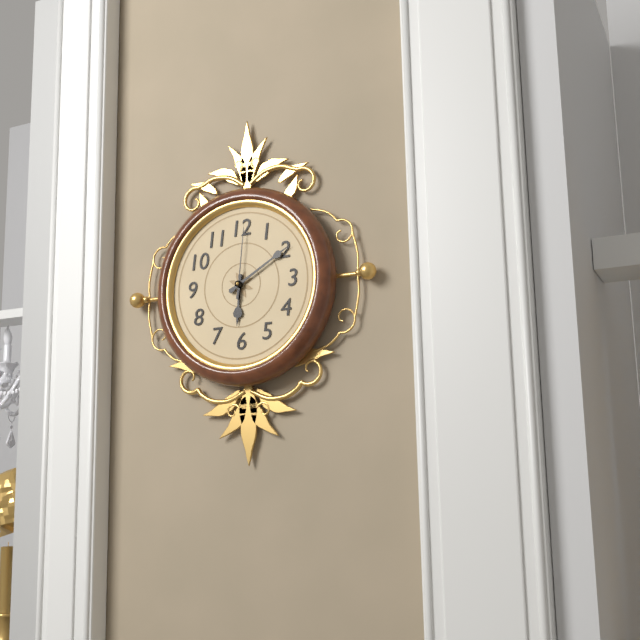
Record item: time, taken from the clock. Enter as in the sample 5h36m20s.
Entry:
6h10m01s
